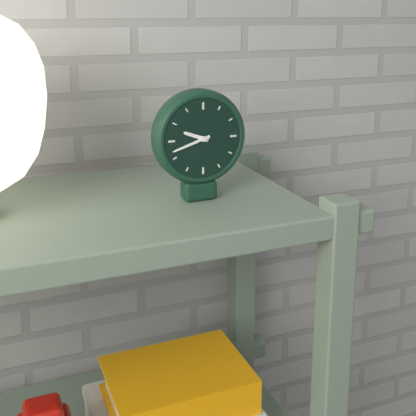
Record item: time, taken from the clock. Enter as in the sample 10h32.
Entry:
9h42
